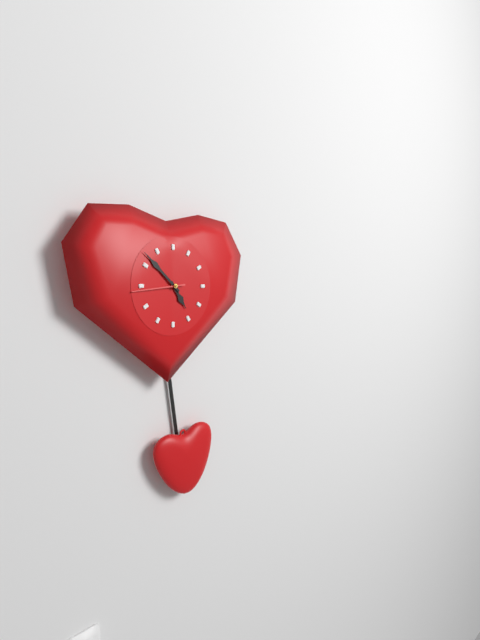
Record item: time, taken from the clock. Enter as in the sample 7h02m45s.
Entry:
4h52m44s
